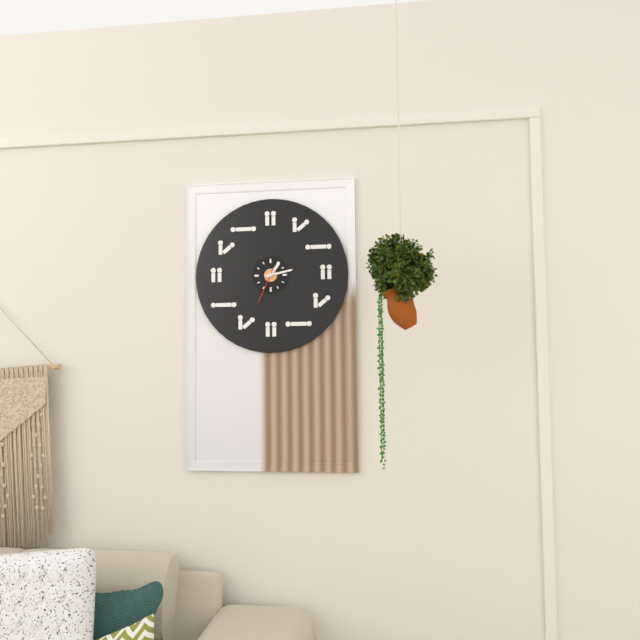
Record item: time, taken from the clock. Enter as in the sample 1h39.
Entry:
1h13
